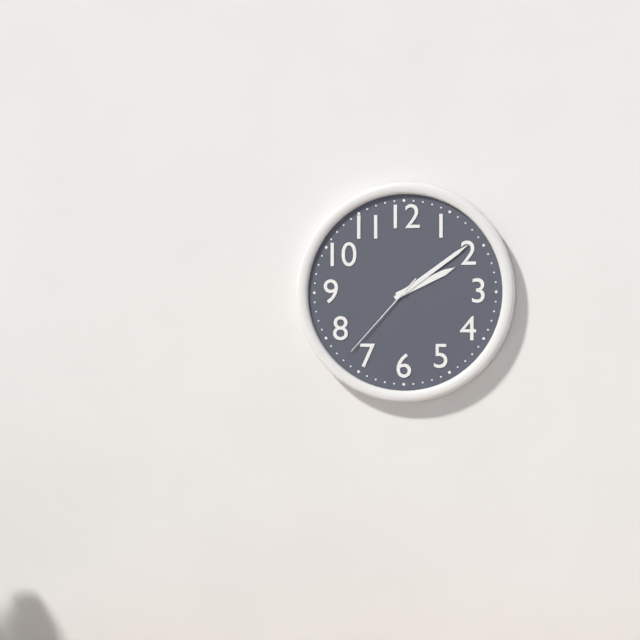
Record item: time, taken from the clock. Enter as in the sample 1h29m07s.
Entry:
2h09m37s
